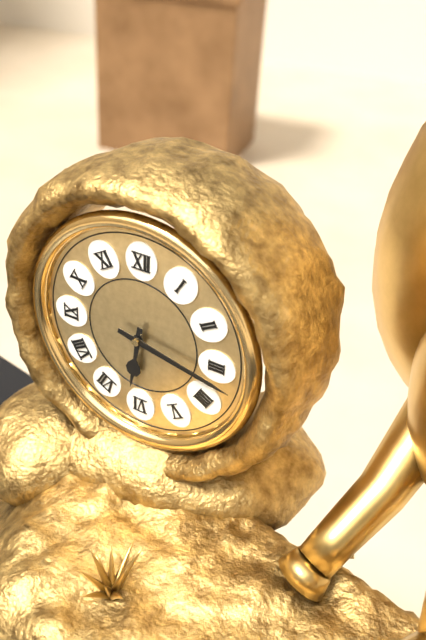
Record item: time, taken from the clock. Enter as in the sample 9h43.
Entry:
6h17
